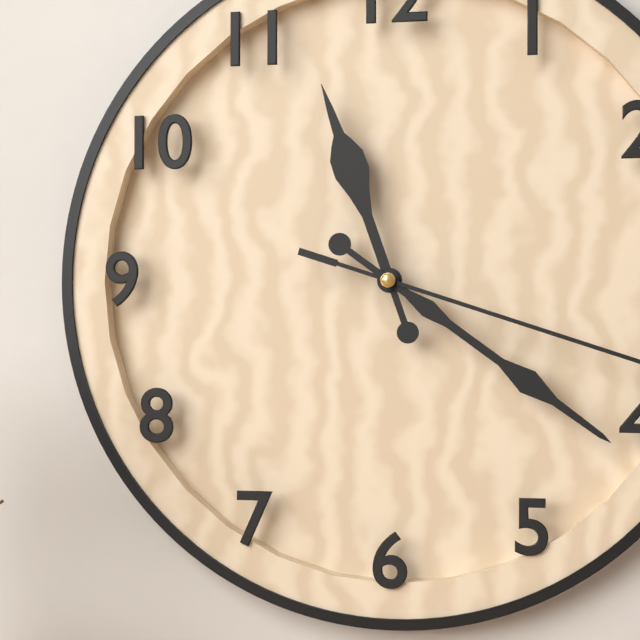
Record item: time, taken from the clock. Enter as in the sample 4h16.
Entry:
11h21
